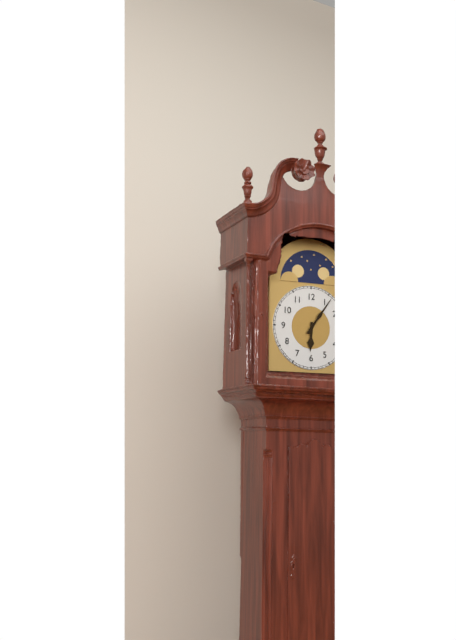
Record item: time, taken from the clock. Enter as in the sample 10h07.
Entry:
6h06
